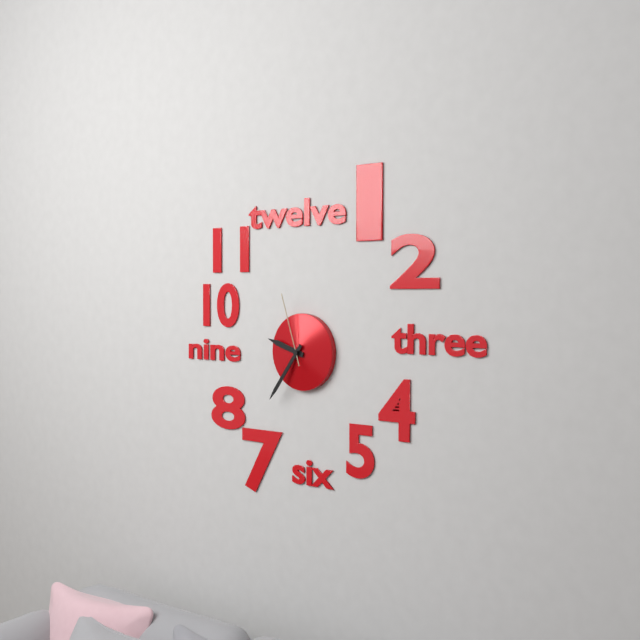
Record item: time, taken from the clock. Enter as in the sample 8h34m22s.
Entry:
9h36m57s
